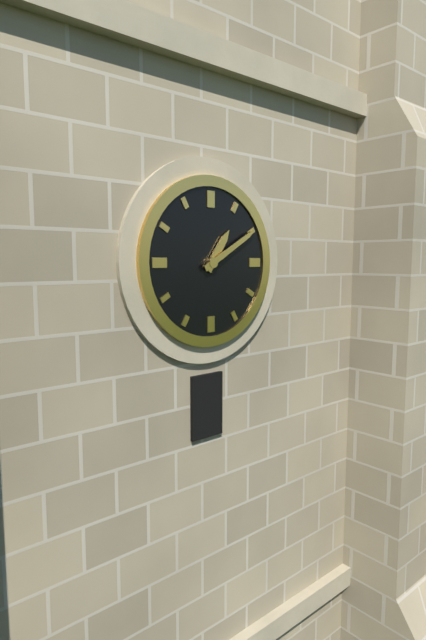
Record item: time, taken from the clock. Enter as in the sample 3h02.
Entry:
1h10
